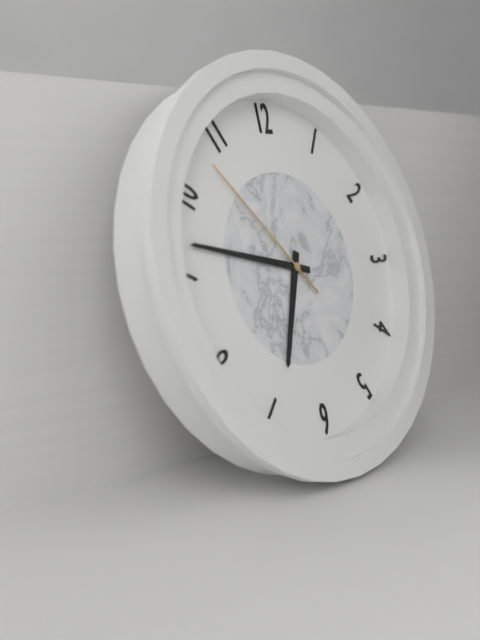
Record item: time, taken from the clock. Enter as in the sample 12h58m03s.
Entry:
6h47m53s
